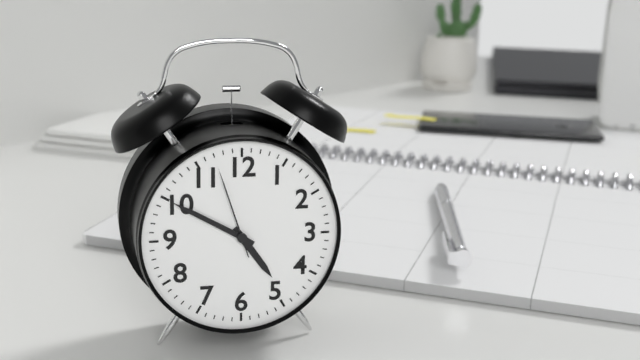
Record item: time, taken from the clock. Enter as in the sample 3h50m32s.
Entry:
4h50m57s
